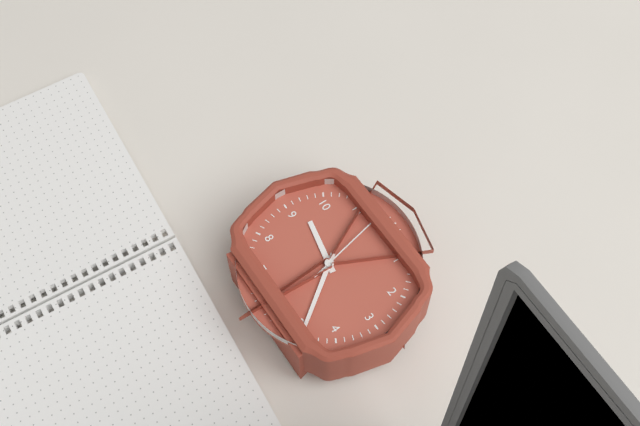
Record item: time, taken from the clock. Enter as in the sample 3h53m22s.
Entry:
9h24m58s
